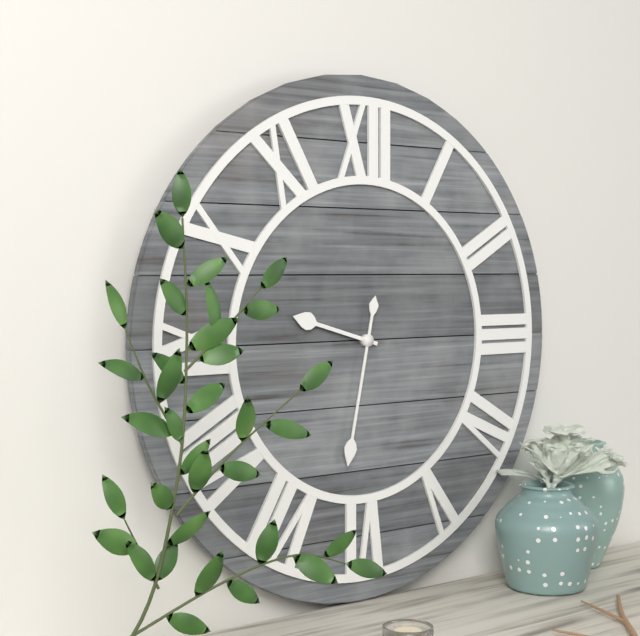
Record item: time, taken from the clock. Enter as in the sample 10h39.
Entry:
9h32
